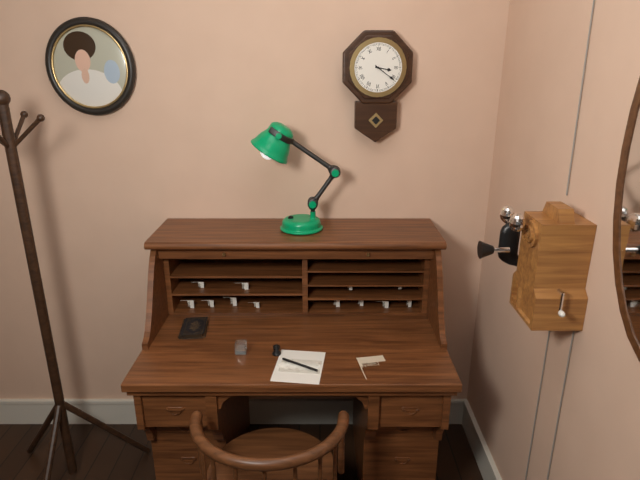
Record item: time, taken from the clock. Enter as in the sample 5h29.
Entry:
3h21
